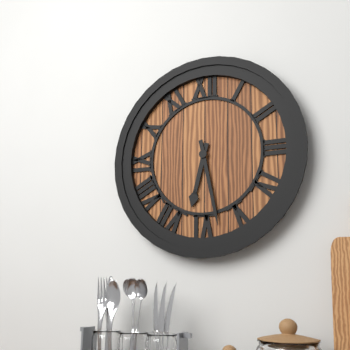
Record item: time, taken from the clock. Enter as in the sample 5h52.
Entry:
6h28
